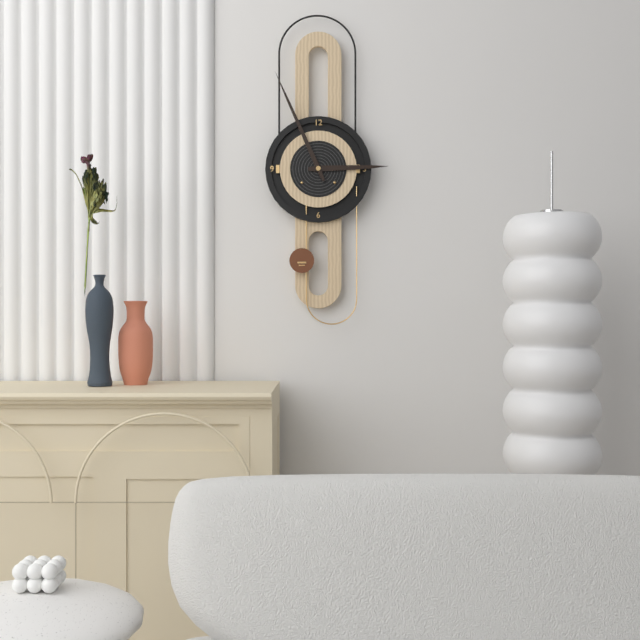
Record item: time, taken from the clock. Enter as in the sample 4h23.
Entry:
2h56
